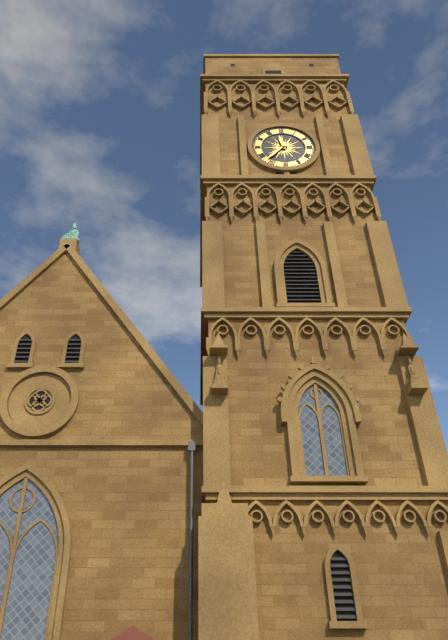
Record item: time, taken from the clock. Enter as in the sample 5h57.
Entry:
11h37
